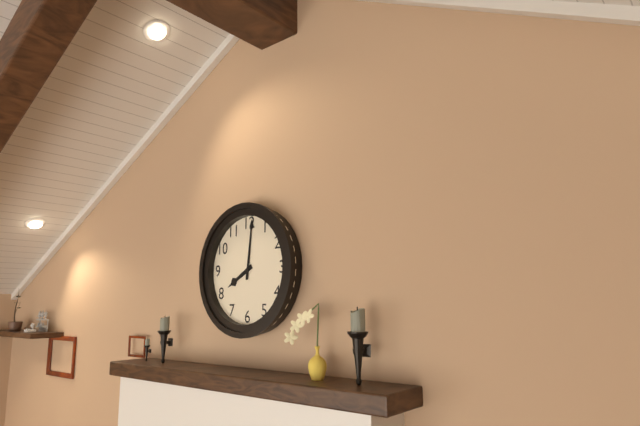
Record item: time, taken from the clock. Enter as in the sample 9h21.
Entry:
8h01
